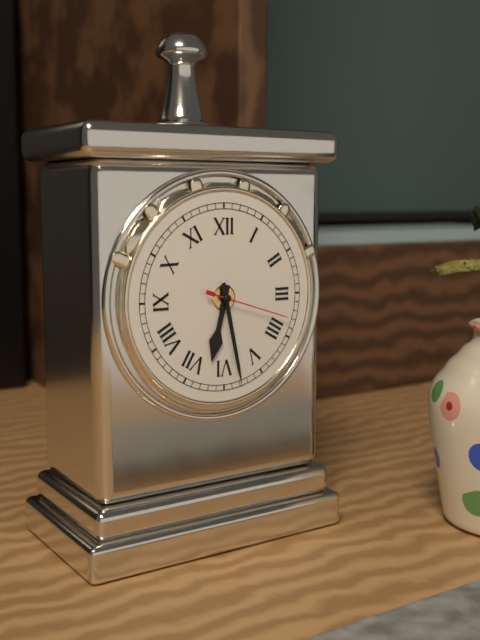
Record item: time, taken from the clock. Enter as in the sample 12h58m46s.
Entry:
6h28m18s
